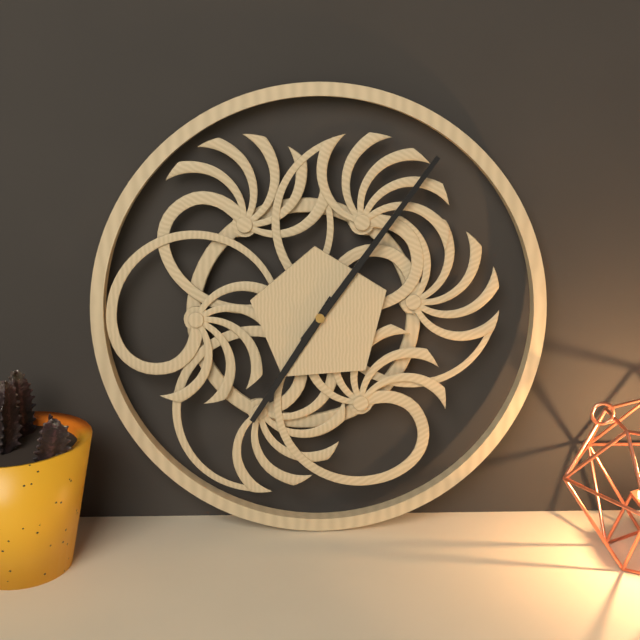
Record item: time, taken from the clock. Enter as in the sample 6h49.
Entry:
7h06
